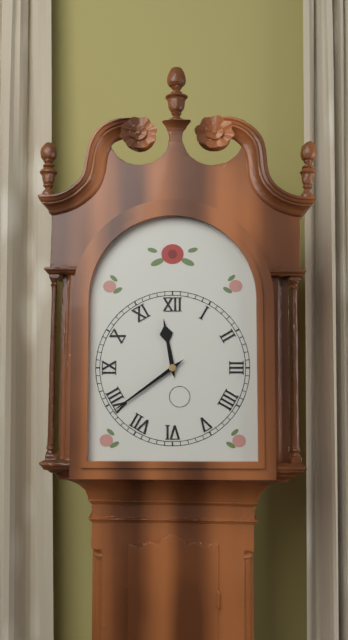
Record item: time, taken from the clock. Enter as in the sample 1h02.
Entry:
11h39
